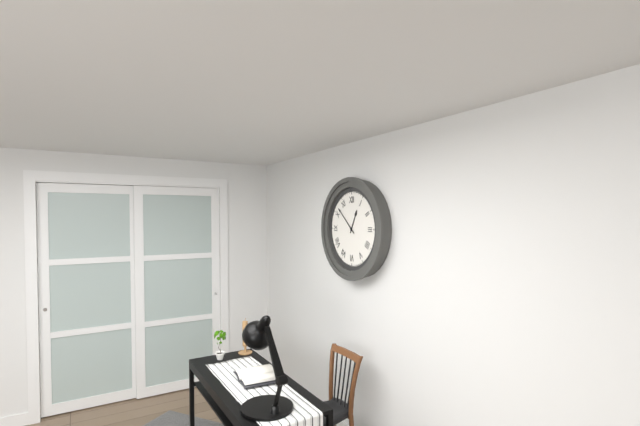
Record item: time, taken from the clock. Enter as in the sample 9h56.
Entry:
12h52
